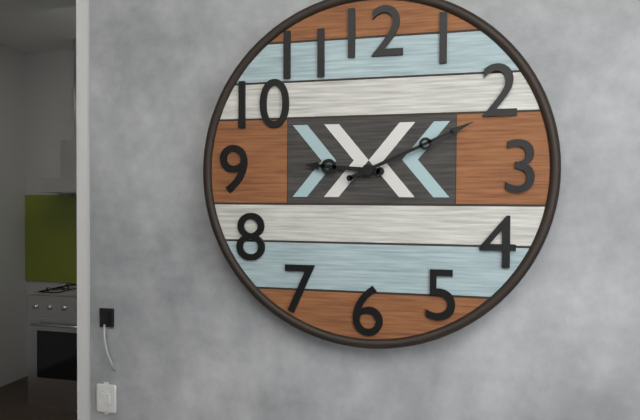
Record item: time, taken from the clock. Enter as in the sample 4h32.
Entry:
9h11
